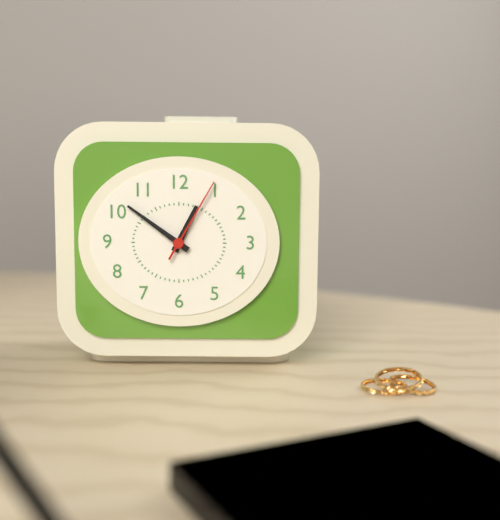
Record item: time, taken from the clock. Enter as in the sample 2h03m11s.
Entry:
12h51m05s
